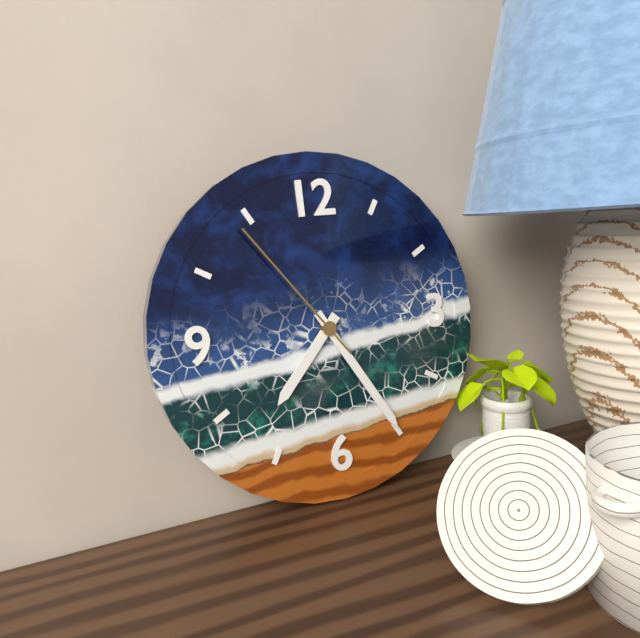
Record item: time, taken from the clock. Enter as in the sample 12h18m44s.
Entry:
7h25m54s
